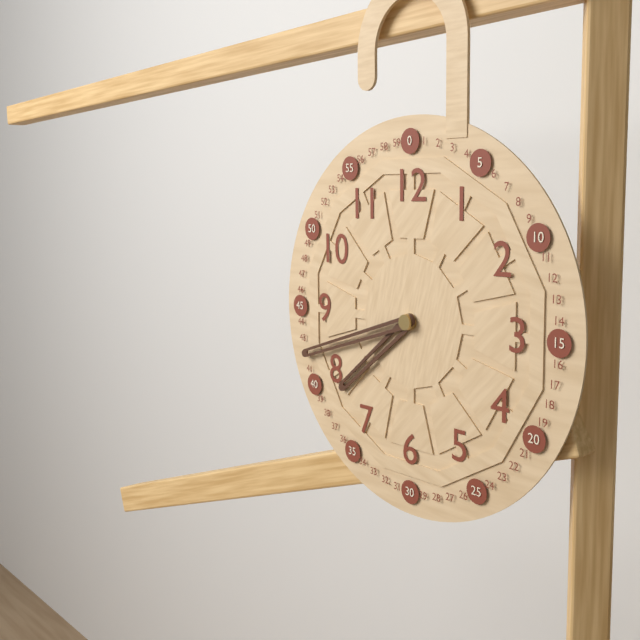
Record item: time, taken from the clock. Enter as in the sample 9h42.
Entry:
7h42
